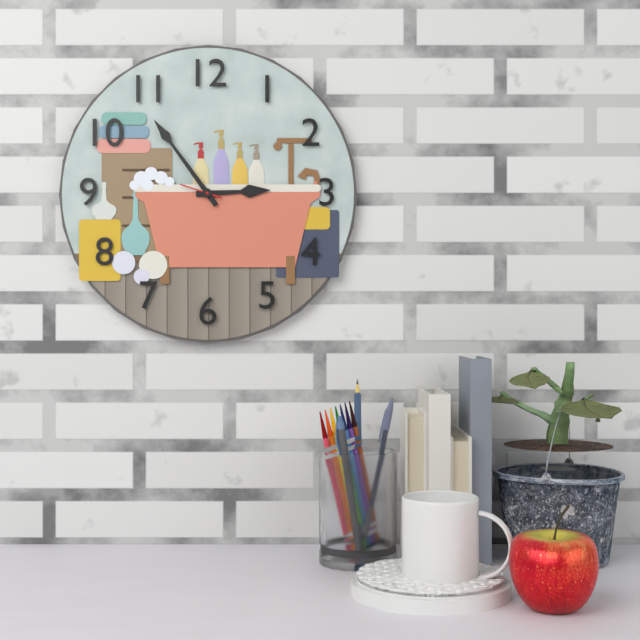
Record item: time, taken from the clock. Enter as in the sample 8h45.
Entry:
2h54
